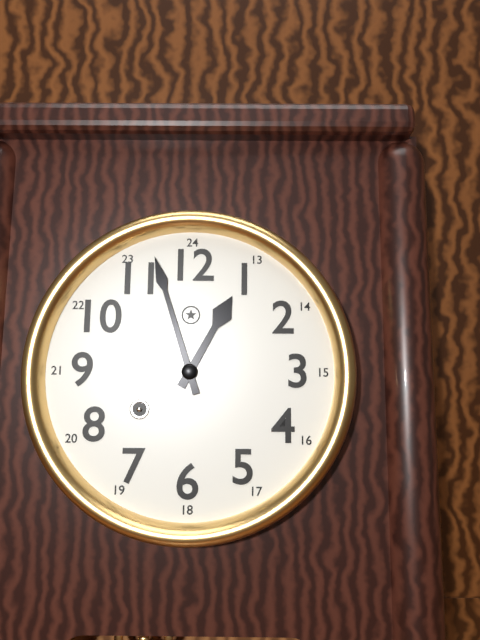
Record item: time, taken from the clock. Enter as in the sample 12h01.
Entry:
12h57
